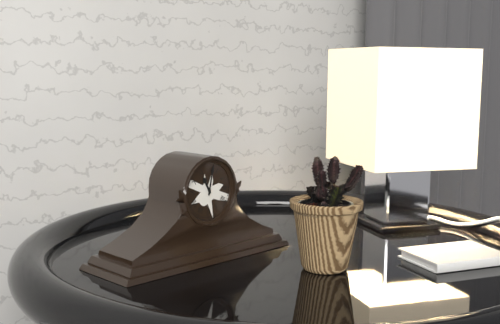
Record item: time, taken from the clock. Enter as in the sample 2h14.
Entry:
11h02
